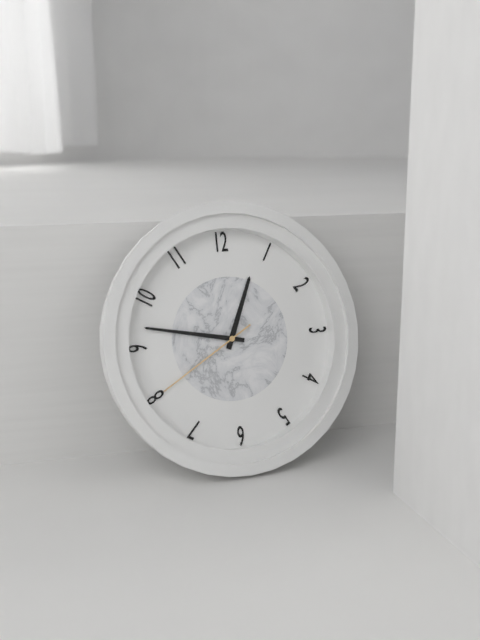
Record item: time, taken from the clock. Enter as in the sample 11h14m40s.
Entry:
12h47m40s
